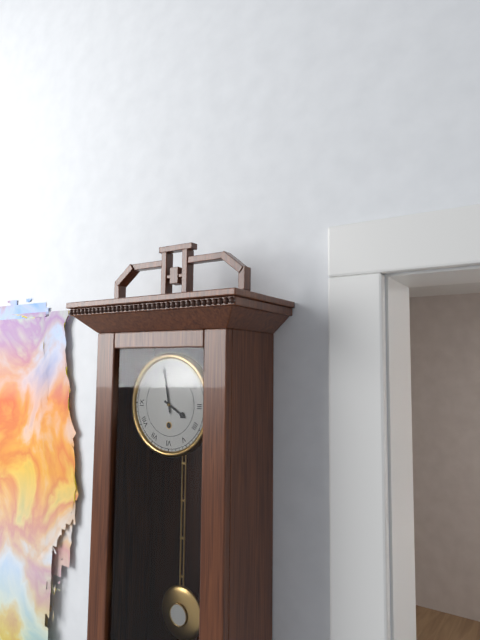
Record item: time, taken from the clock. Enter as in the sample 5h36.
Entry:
3h58
